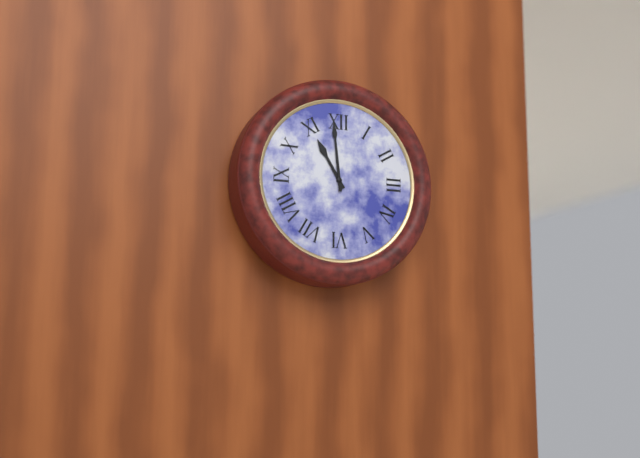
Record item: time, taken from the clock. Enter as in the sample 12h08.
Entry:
10h59
